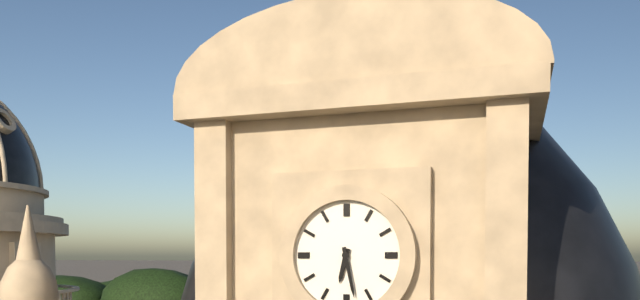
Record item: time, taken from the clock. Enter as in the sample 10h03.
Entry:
6h28
